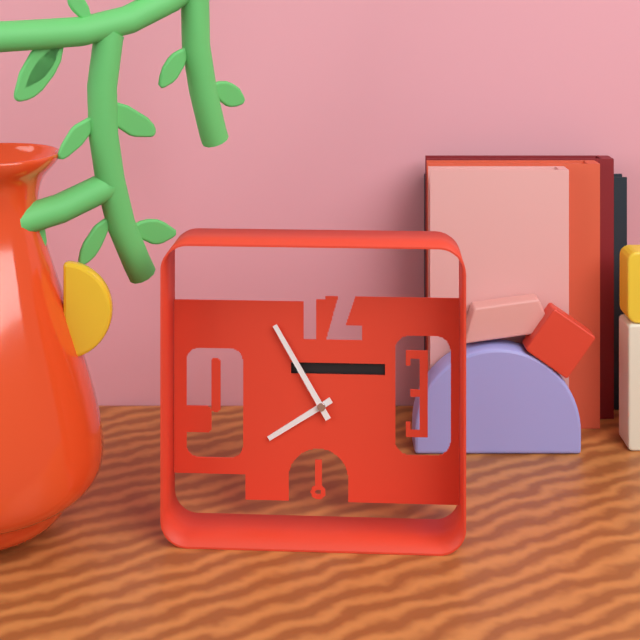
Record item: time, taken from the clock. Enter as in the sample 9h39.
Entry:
7h55
